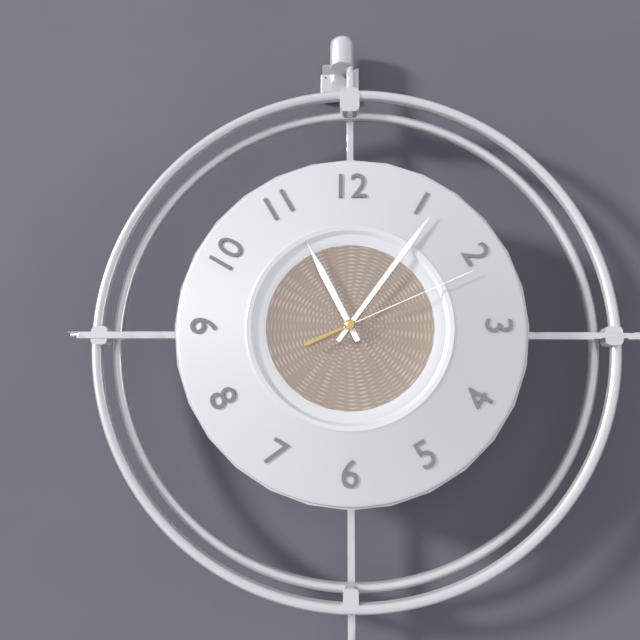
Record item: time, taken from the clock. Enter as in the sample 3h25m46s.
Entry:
11h06m11s
